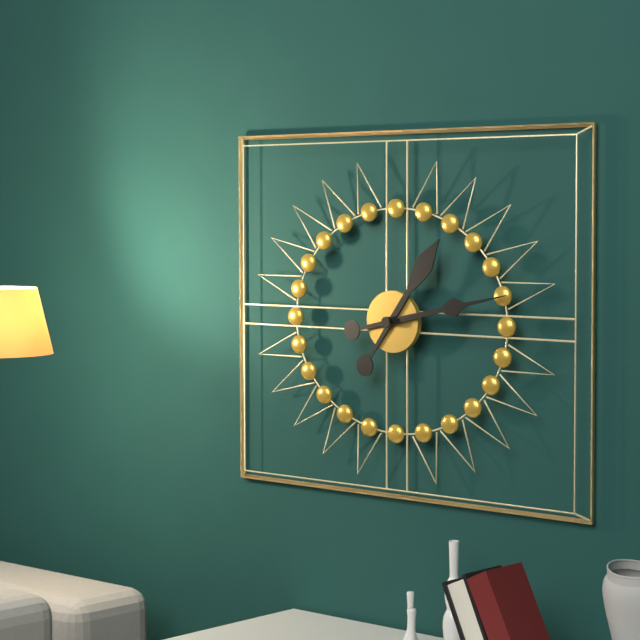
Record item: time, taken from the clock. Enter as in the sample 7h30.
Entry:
1h13
